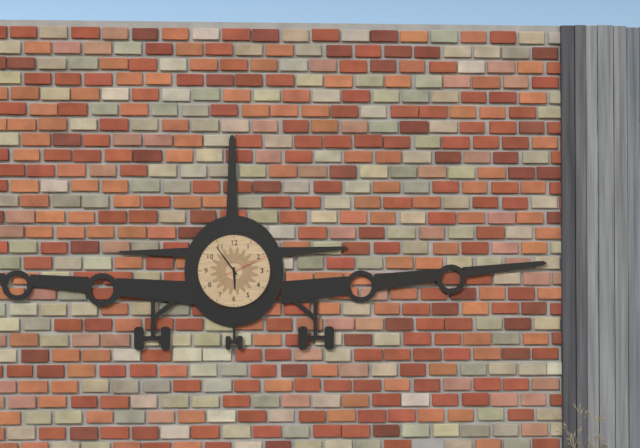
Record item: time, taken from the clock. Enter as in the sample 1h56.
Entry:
5h54
